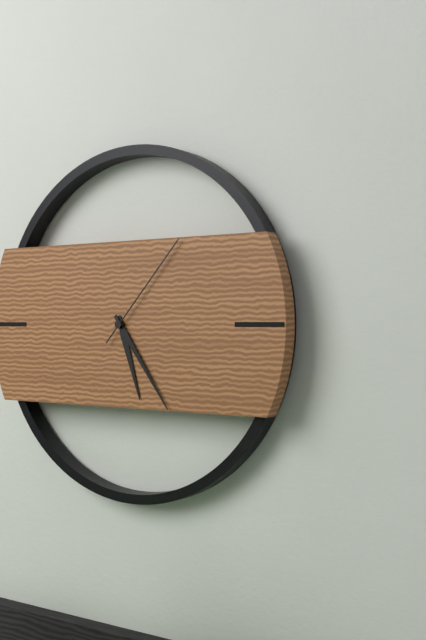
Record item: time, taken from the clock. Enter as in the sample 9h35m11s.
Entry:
5h24m07s
